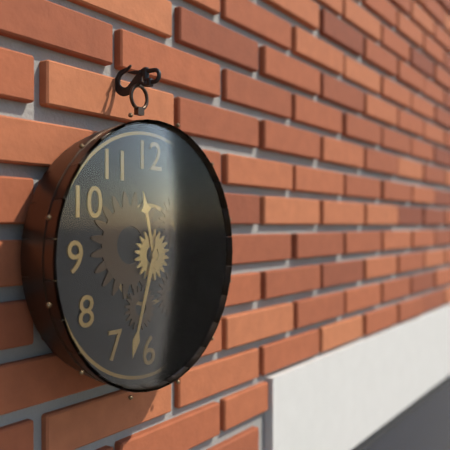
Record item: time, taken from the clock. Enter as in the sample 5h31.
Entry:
11h33
